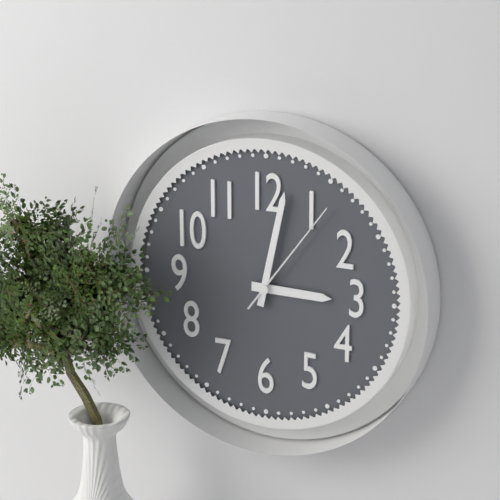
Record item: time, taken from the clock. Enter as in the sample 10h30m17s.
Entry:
3h02m06s
